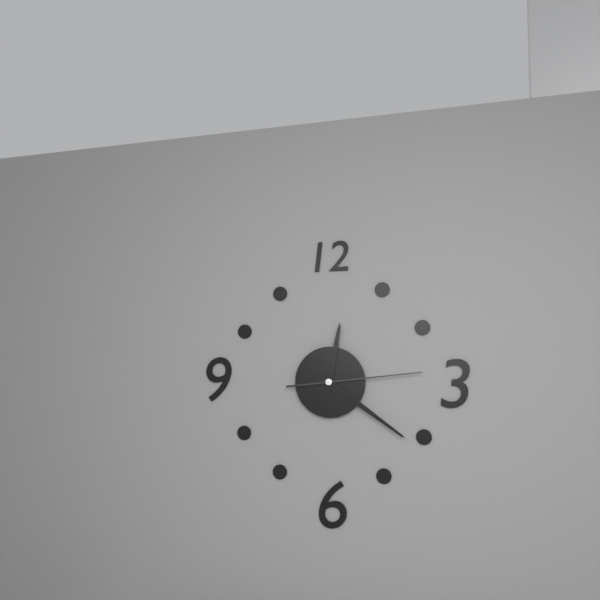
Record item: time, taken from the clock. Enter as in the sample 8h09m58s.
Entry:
12h21m14s
